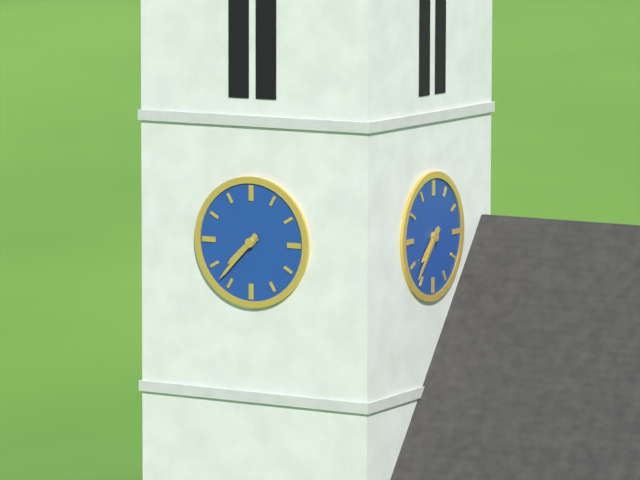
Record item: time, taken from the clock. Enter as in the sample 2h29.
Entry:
7h37
